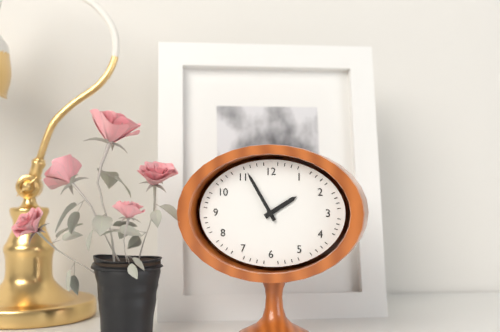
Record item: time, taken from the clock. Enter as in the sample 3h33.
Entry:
1h55
